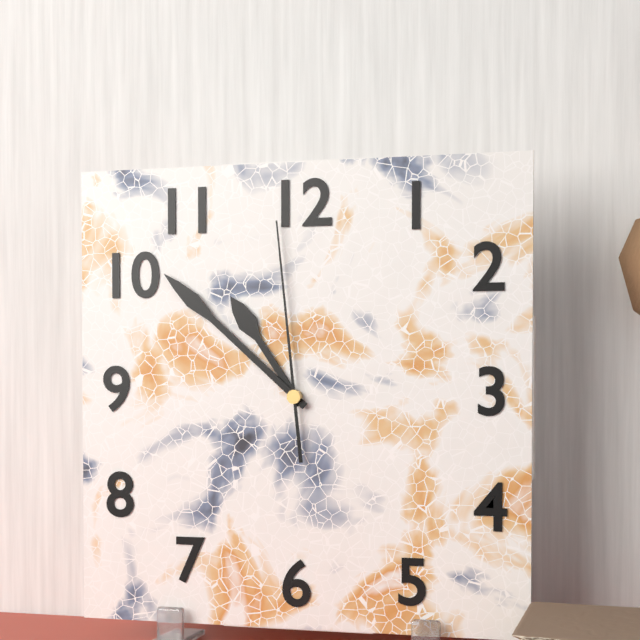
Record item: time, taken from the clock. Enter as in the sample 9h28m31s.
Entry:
10h52m59s
